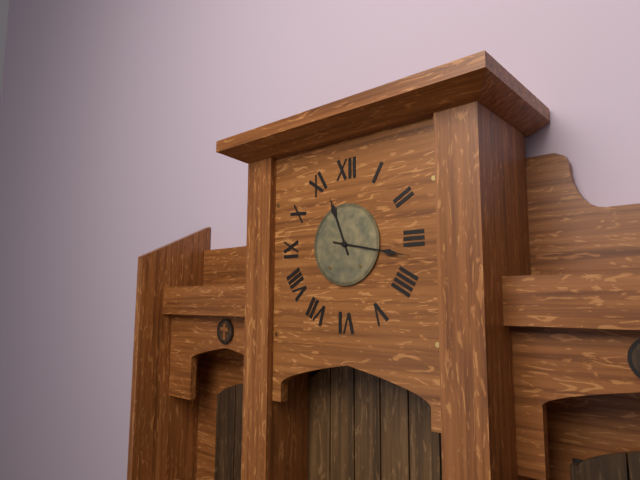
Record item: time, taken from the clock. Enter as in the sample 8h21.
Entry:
11h17
